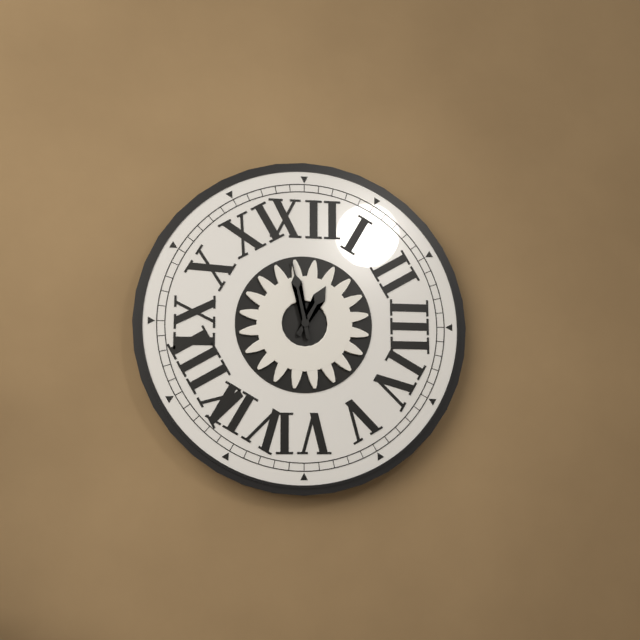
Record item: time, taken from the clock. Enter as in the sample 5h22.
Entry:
12h58
